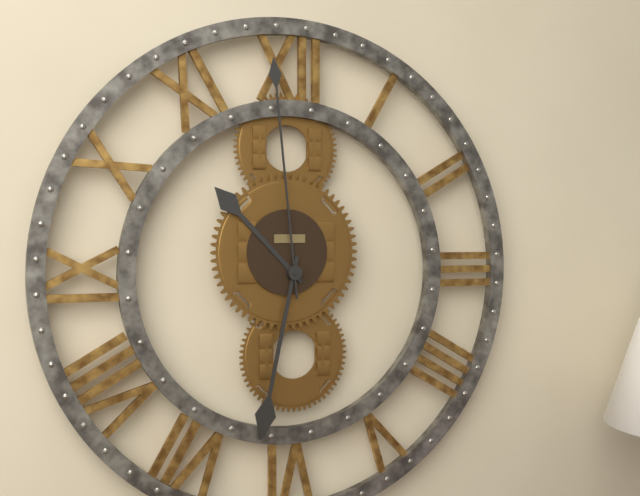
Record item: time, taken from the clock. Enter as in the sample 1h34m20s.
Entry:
10h32m59s
